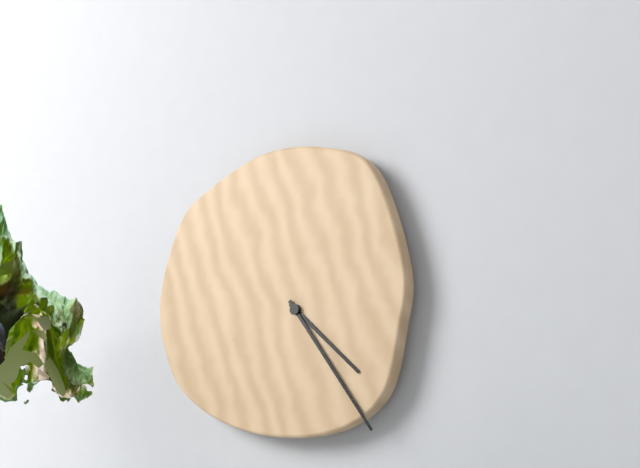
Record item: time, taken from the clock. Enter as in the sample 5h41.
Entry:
4h24
